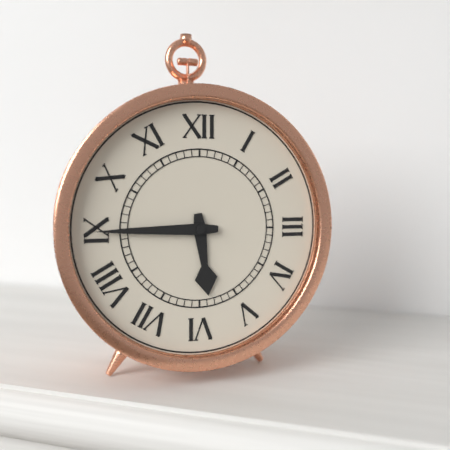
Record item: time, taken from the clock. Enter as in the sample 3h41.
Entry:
5h45
